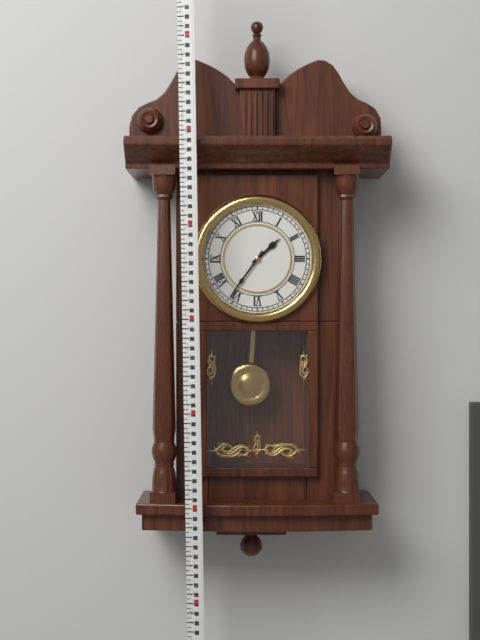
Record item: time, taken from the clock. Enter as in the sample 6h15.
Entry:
1h36
